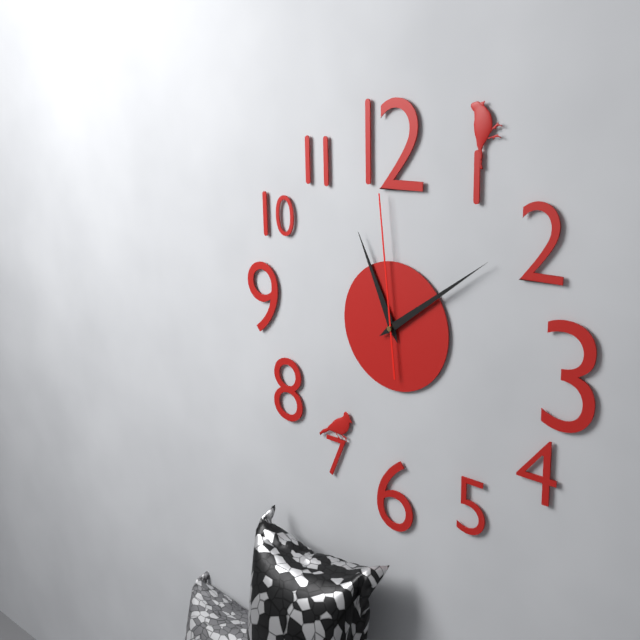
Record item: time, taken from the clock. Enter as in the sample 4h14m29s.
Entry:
11h09m59s
